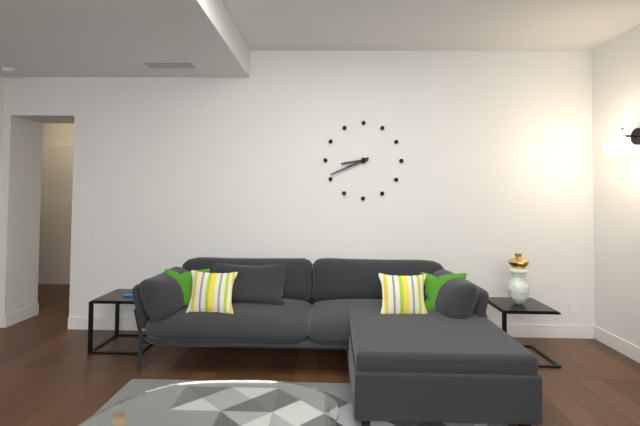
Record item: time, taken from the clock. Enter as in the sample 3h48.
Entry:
8h41
